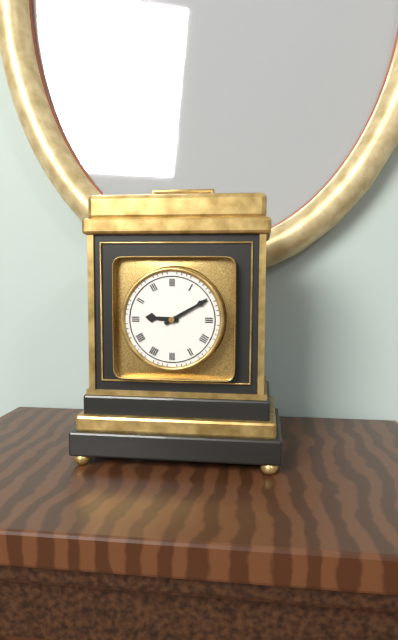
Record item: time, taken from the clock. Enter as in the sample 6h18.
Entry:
9h10
